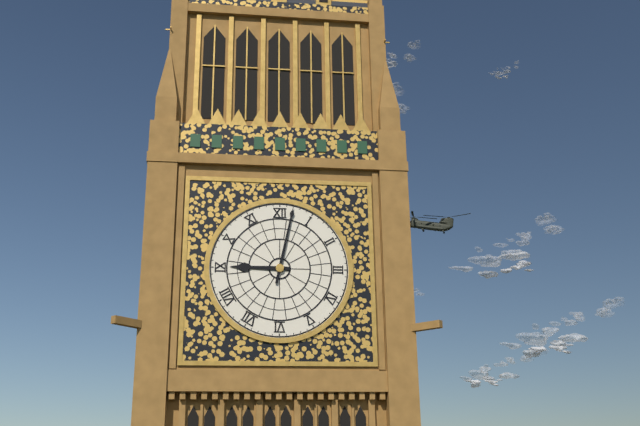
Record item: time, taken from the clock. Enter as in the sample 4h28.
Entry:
9h02
